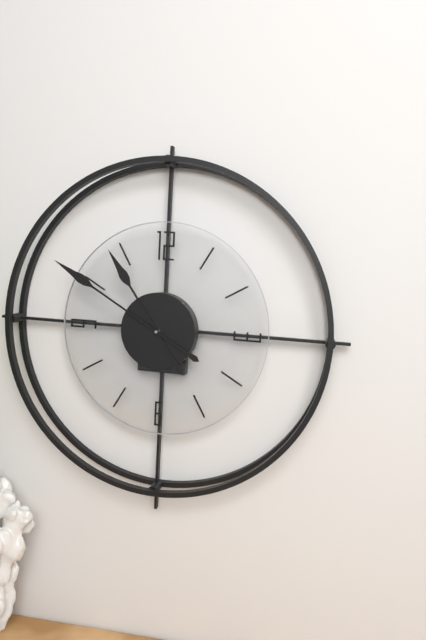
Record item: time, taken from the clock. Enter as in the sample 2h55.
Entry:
10h50
